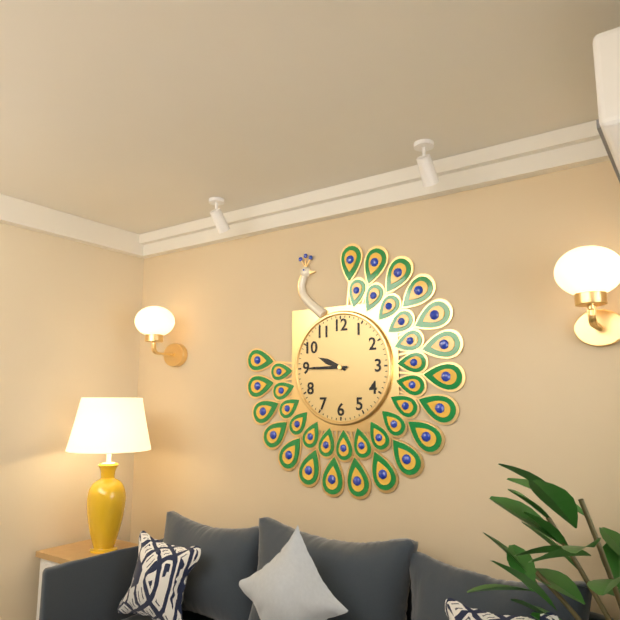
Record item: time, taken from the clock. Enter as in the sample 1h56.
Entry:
9h45
